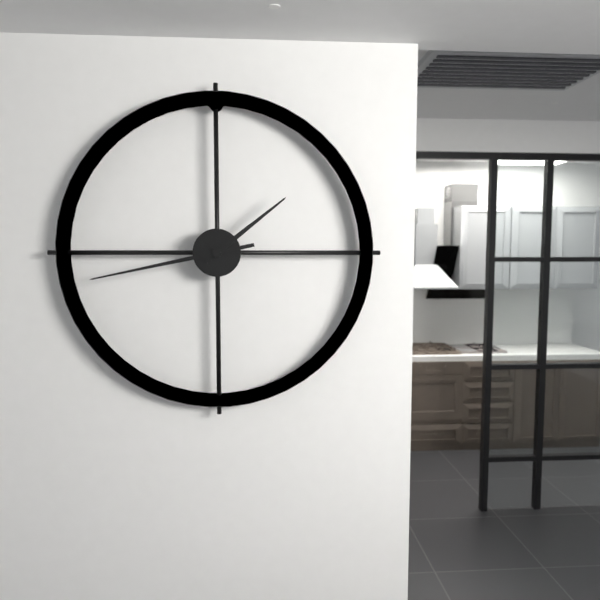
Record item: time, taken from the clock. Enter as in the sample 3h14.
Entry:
1h43
